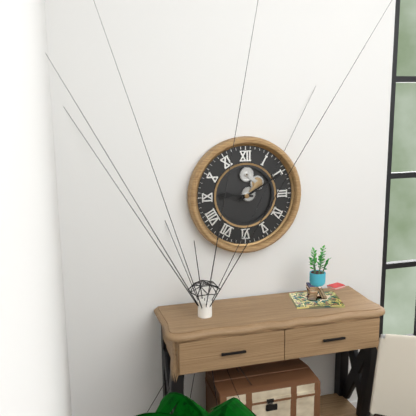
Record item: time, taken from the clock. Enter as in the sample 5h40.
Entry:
9h10
